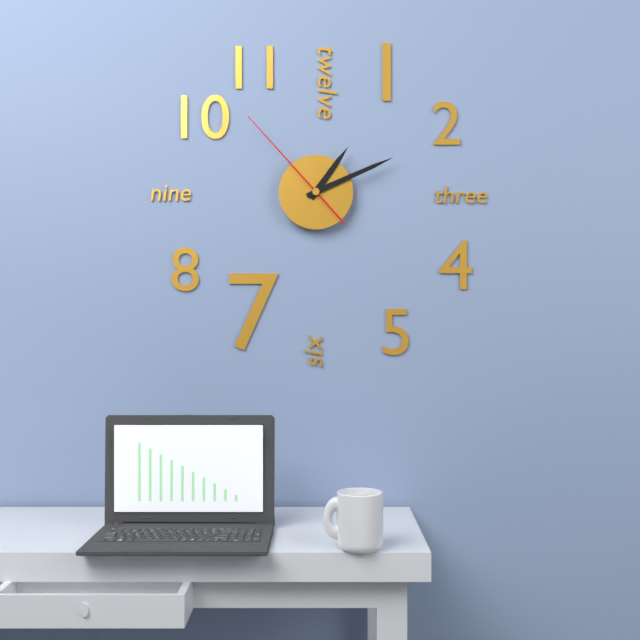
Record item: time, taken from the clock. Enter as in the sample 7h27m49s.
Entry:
1h11m53s
